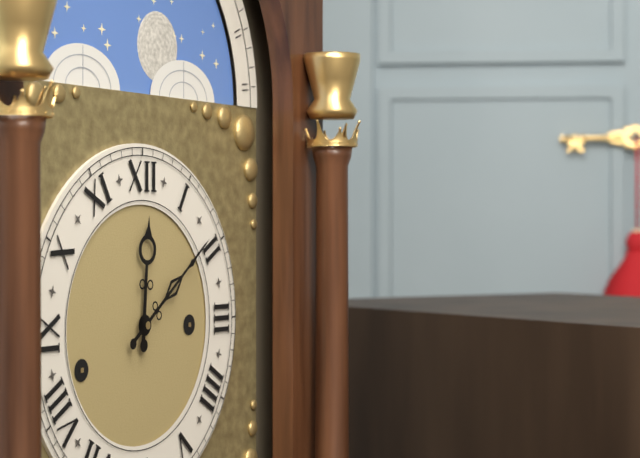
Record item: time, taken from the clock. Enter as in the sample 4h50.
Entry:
12h09
